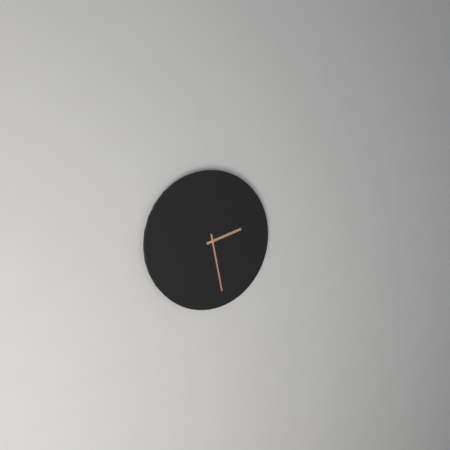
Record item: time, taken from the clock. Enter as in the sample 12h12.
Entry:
2h28
